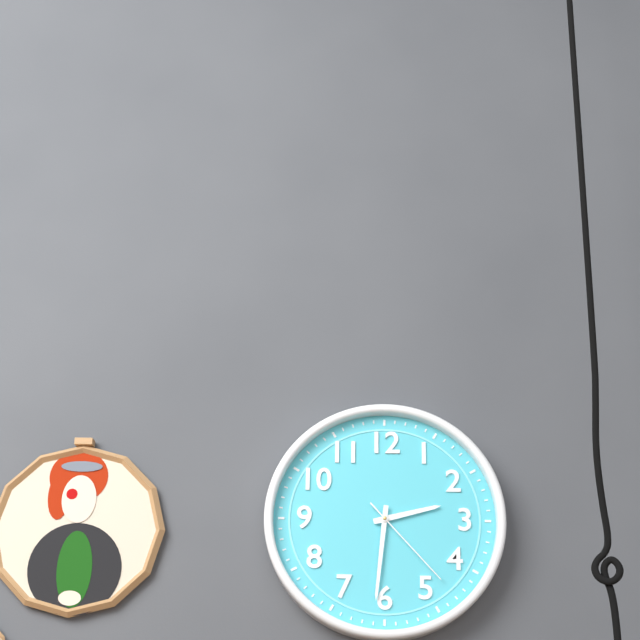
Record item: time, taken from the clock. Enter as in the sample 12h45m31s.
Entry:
2h31m23s
